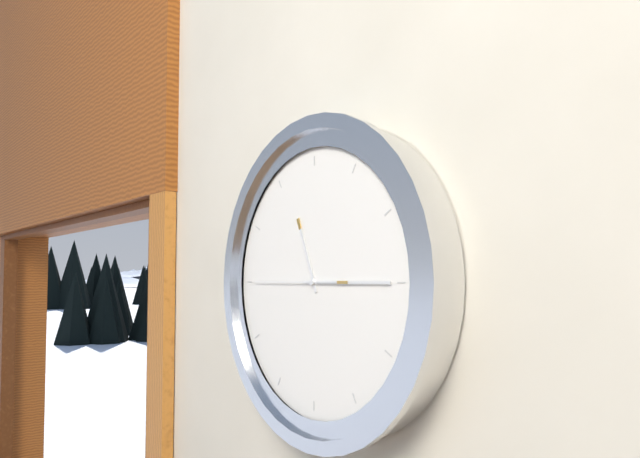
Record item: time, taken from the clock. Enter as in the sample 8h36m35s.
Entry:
11h15m45s
